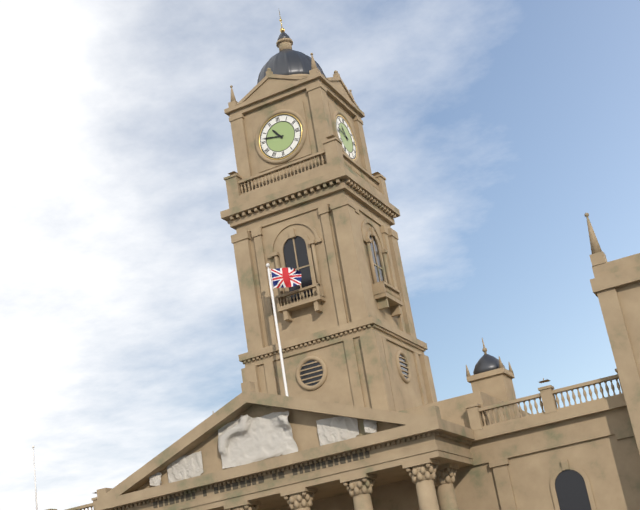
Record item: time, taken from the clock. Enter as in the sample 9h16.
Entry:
10h47
